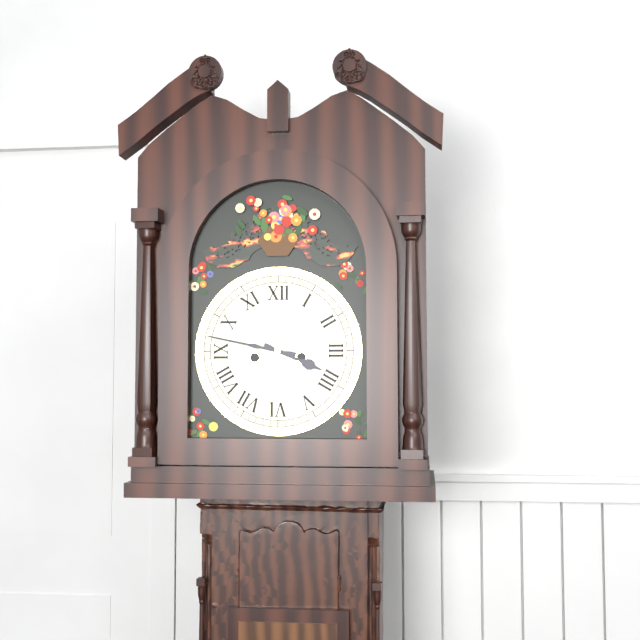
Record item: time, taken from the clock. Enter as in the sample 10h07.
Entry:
3h47
